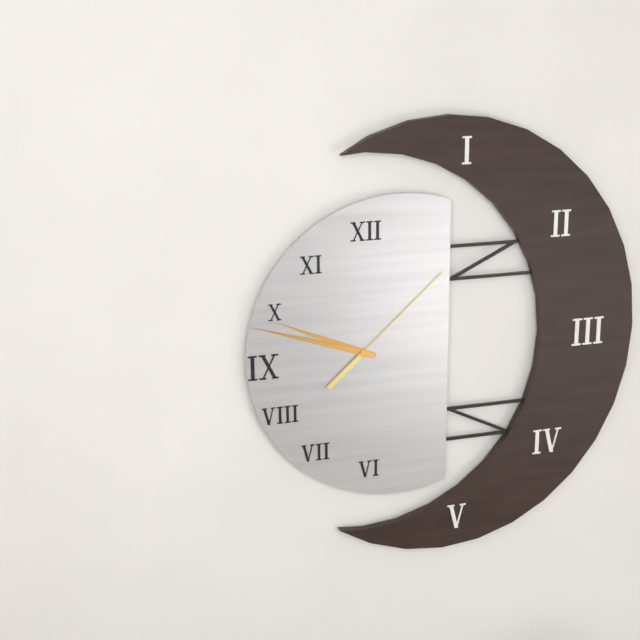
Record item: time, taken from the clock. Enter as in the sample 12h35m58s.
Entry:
9h48m08s
